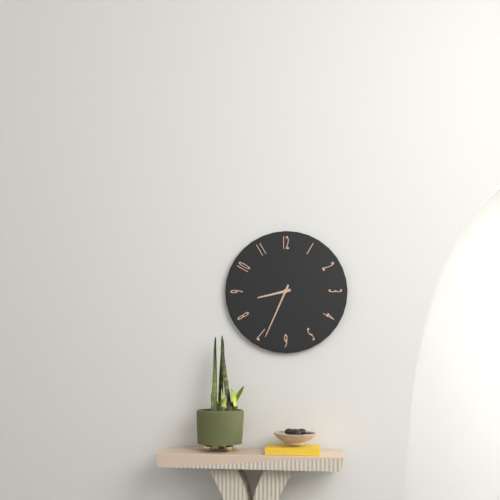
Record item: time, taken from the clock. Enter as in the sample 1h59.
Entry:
8h34
